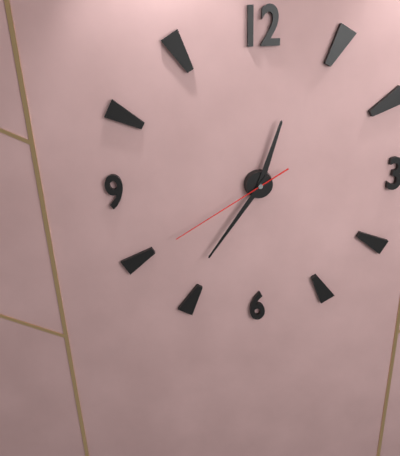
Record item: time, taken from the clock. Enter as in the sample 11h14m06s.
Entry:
12h36m40s
